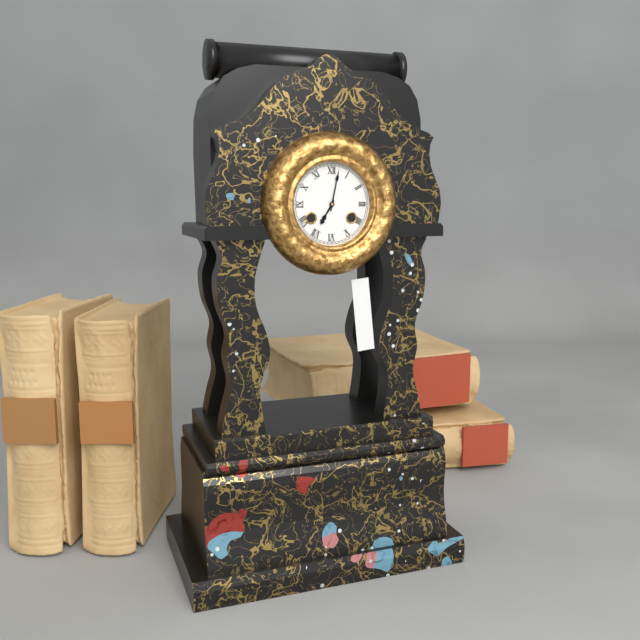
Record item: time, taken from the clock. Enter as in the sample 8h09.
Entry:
7h02
